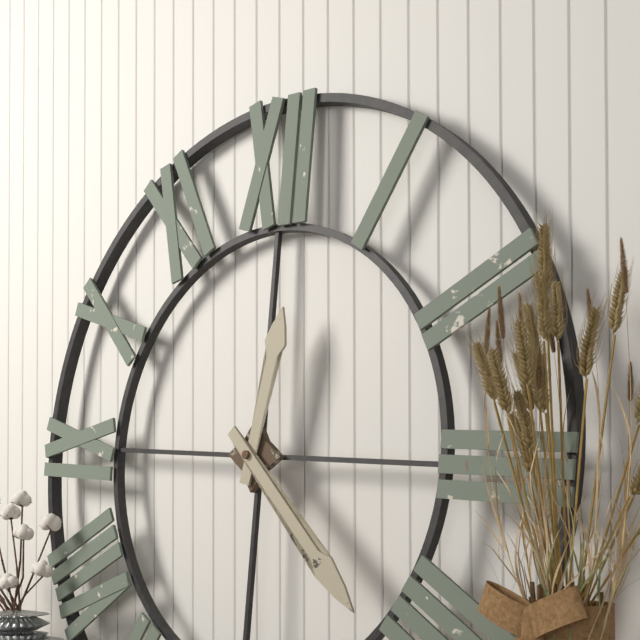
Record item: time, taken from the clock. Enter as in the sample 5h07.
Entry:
12h22
